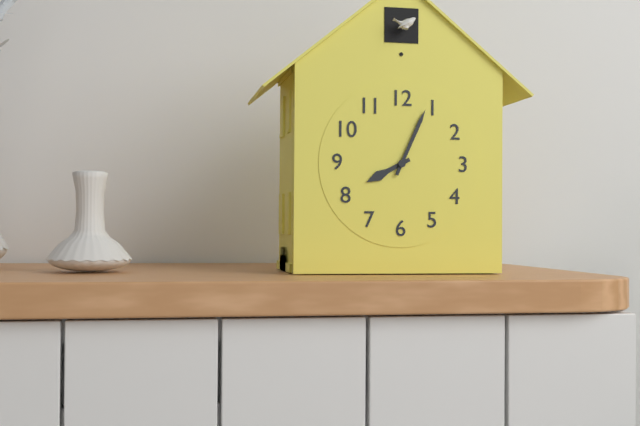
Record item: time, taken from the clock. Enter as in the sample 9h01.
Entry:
8h04
